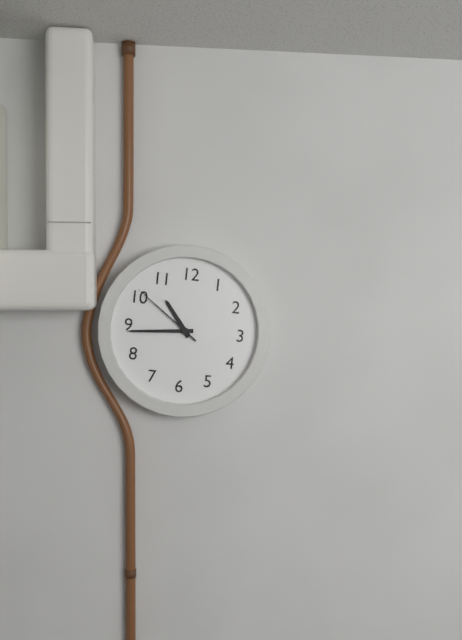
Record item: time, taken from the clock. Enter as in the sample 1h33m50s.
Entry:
10h44m51s
